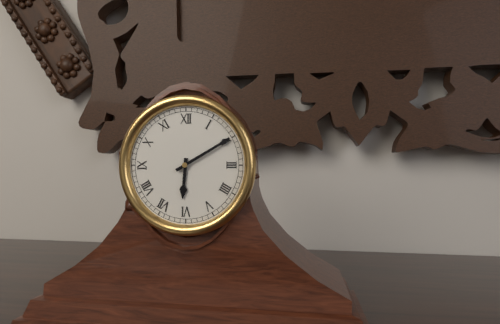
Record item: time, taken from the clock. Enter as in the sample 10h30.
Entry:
6h10
